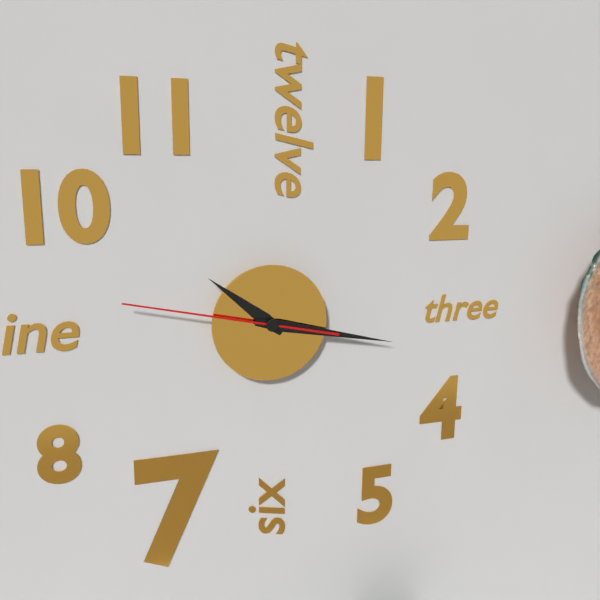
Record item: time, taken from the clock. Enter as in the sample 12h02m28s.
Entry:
10h17m47s
